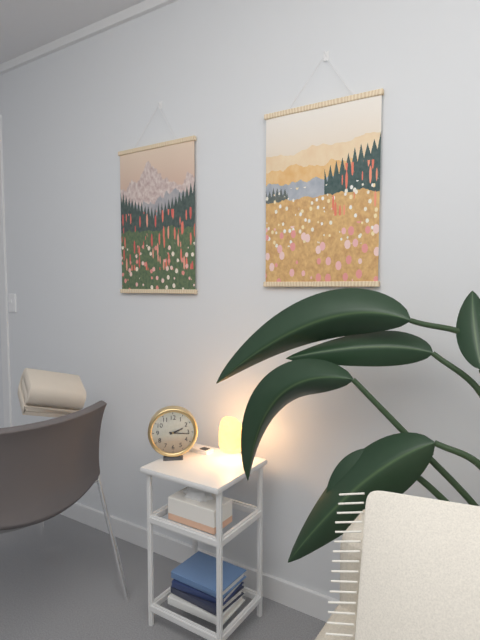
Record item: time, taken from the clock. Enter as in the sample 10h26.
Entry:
2h16
